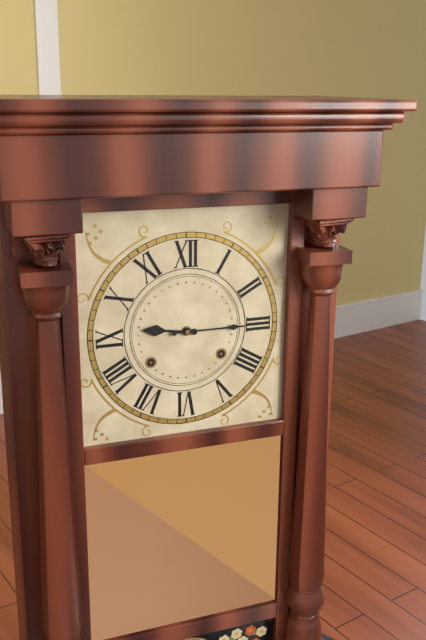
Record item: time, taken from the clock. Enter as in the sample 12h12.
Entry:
9h15
